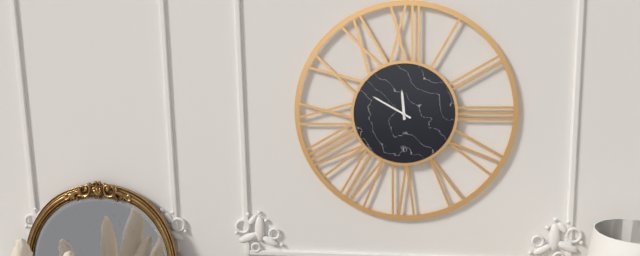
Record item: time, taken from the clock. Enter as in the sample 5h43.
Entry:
11h50
